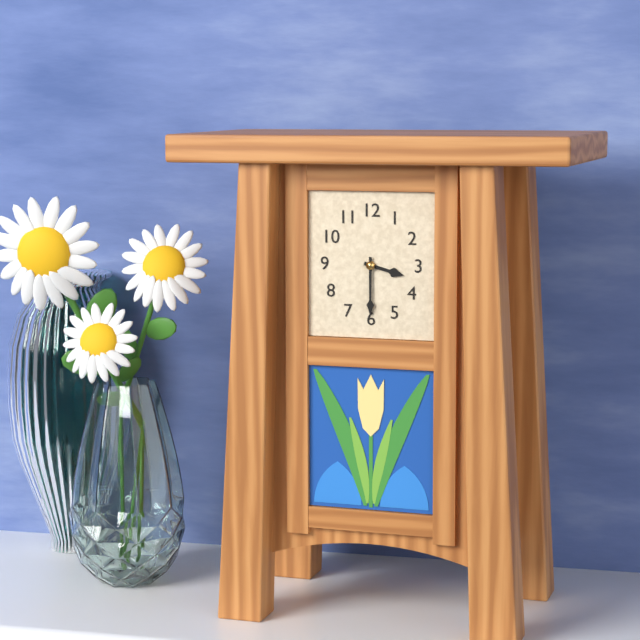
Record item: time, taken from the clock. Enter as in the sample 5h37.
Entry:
3h30
